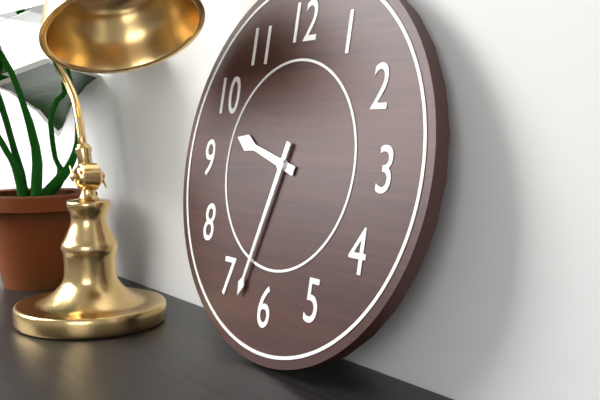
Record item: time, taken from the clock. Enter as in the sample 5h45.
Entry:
9h33
